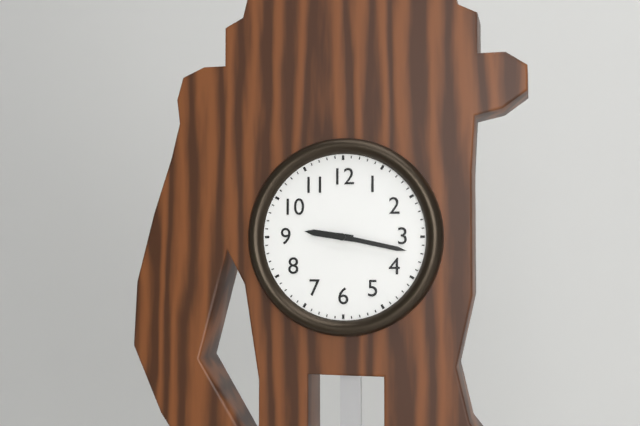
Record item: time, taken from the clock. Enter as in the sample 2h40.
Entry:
9h17
